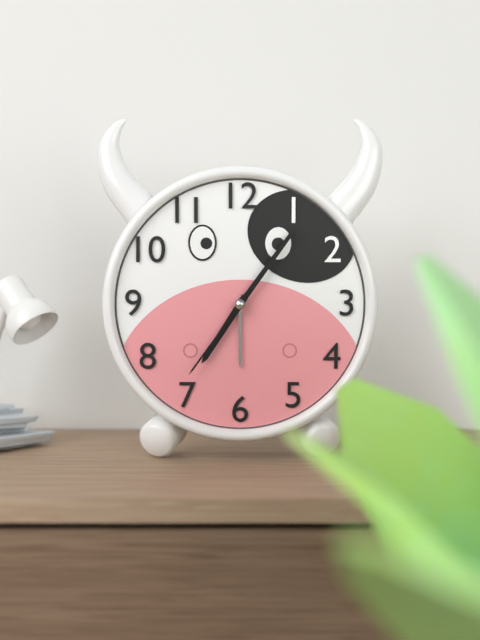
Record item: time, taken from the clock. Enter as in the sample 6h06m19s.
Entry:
7h06m36s
